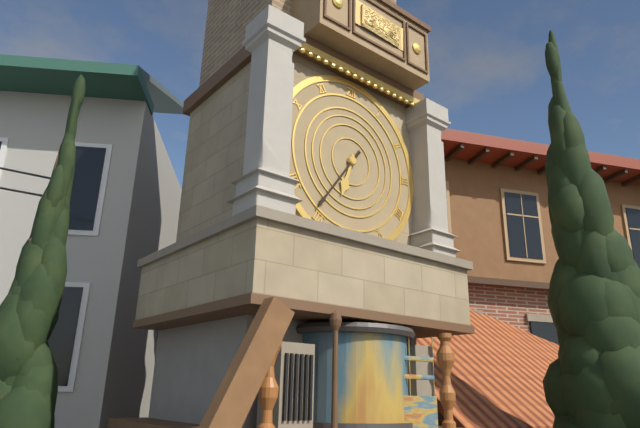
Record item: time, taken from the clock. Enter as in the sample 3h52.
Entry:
6h36
